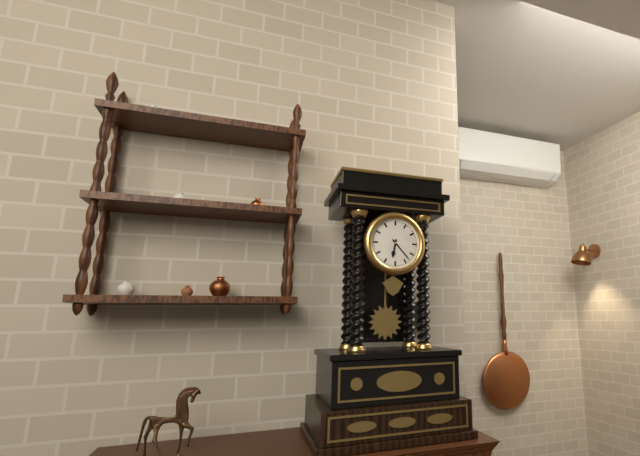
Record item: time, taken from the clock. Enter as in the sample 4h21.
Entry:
6h23
